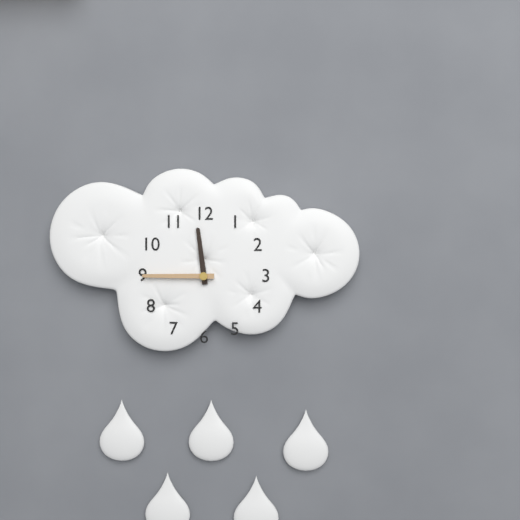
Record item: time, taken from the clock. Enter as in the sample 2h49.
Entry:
11h45
